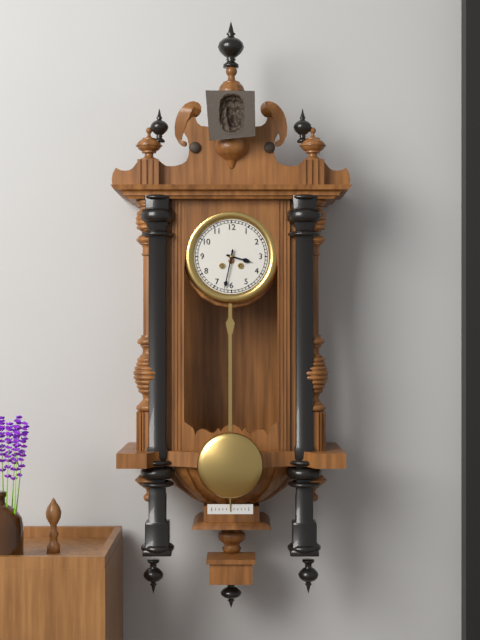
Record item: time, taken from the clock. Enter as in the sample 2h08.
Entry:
3h32
